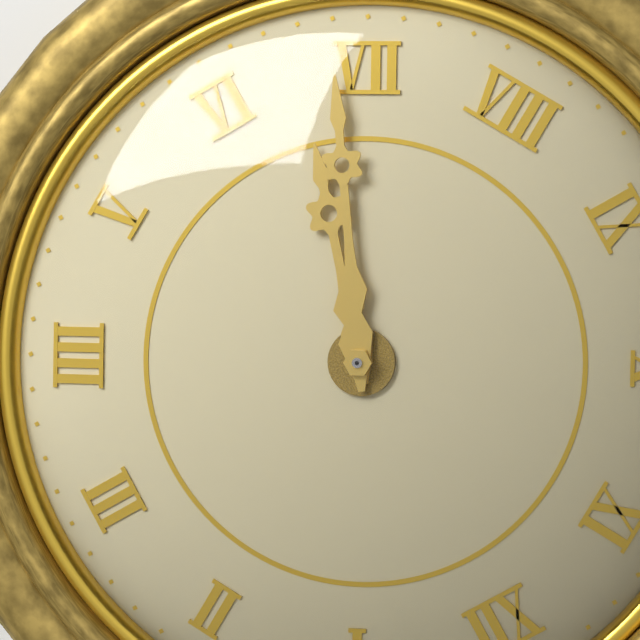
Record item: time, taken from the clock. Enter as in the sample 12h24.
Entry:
6h34
